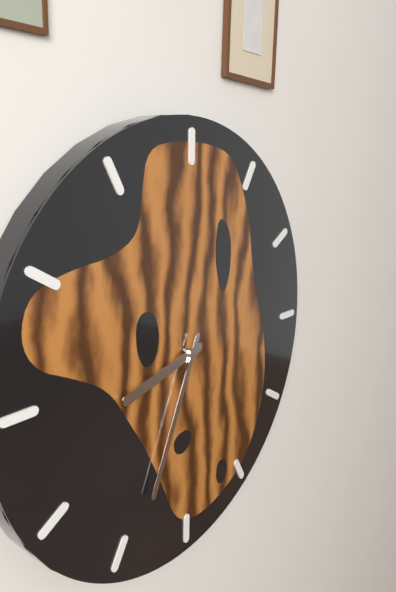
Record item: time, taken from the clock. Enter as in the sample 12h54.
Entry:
8h34
